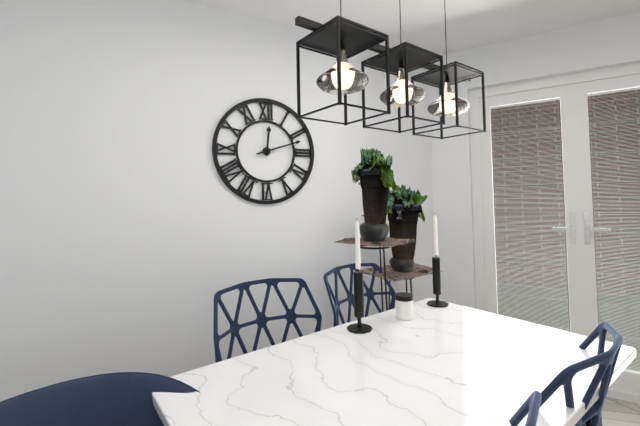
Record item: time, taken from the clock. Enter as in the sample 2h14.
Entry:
12h12
